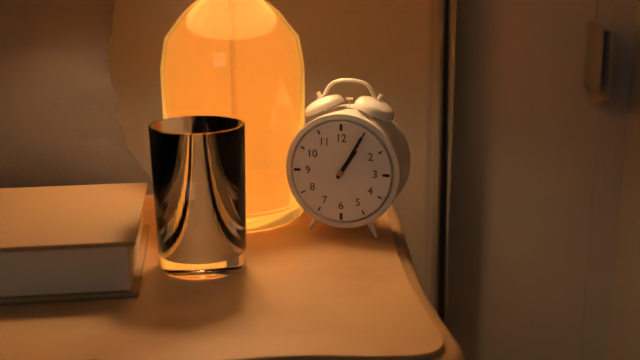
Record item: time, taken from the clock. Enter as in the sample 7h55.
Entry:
1h05
